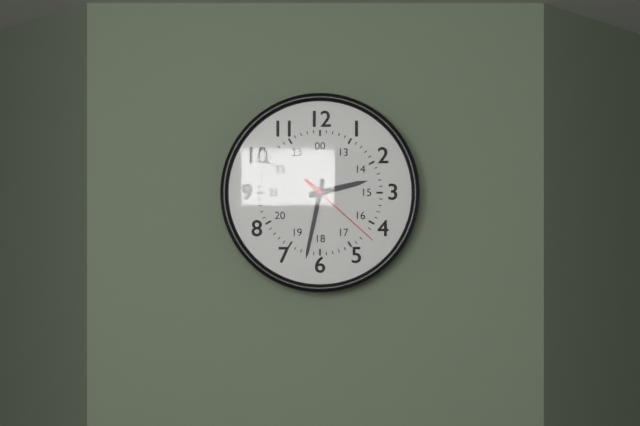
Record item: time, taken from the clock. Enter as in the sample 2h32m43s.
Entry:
2h32m22s
